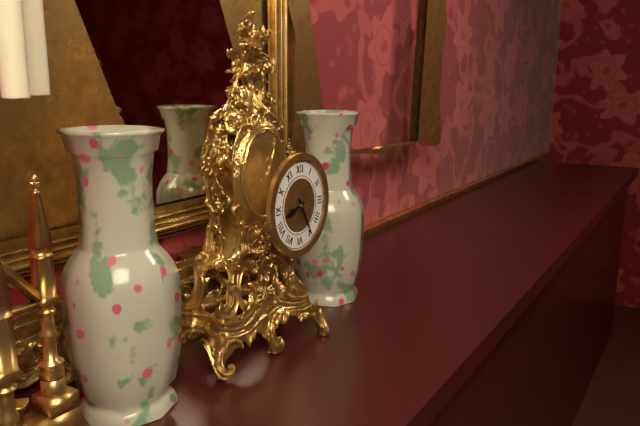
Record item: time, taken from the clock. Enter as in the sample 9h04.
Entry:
8h25
